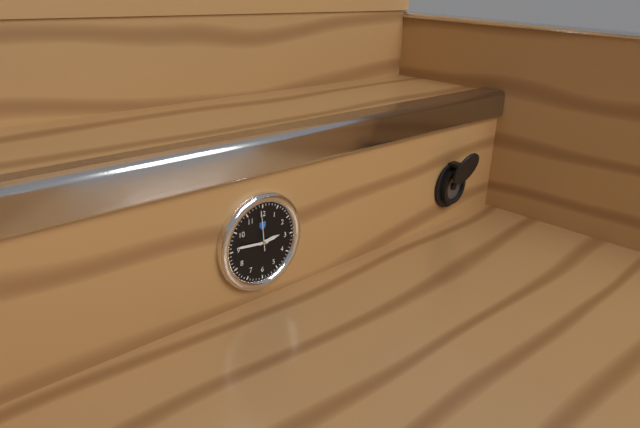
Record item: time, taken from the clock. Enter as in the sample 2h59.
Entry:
2h46
